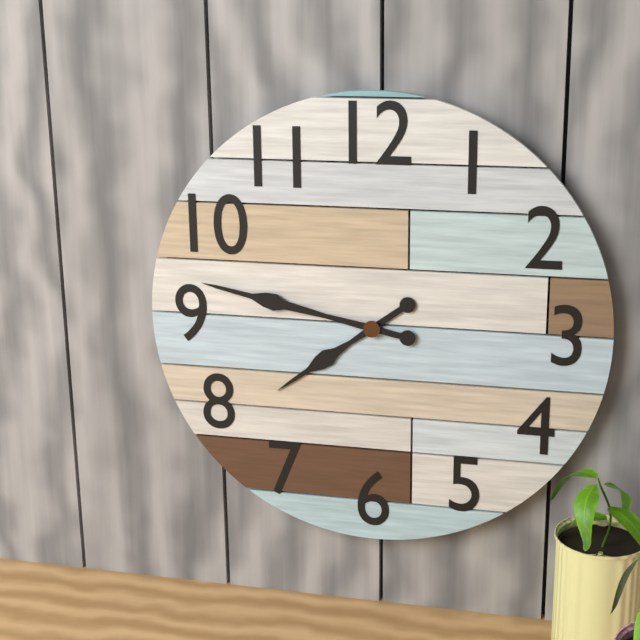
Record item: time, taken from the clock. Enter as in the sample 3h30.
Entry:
7h47
